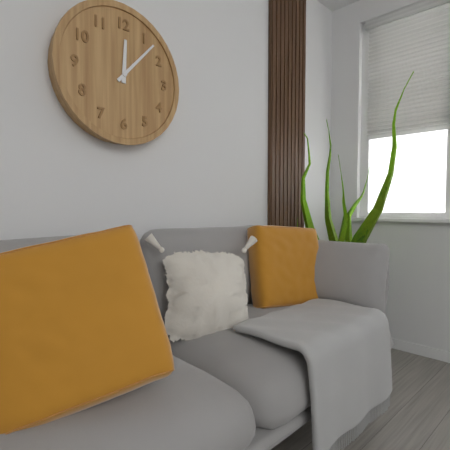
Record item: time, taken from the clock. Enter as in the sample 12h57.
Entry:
12h07
